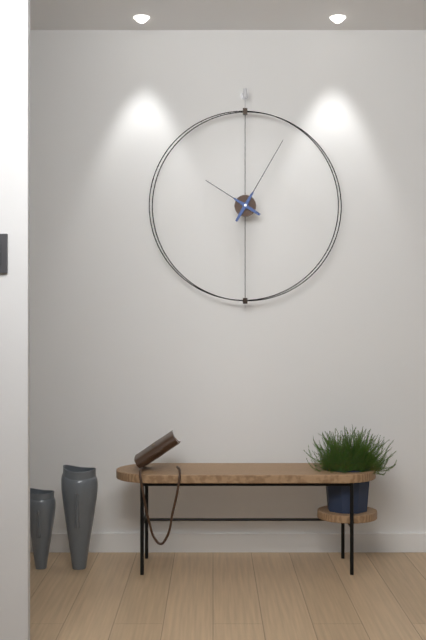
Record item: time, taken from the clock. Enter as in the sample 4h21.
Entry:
10h05
